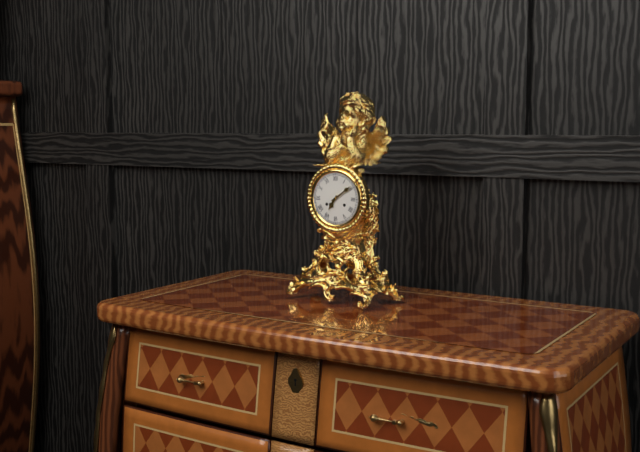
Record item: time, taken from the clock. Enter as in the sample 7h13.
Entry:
7h09
